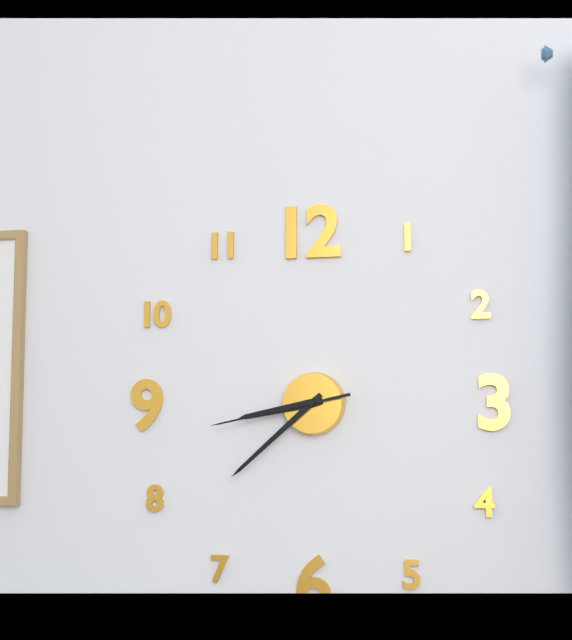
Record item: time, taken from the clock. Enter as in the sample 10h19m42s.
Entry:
8h38m43s
